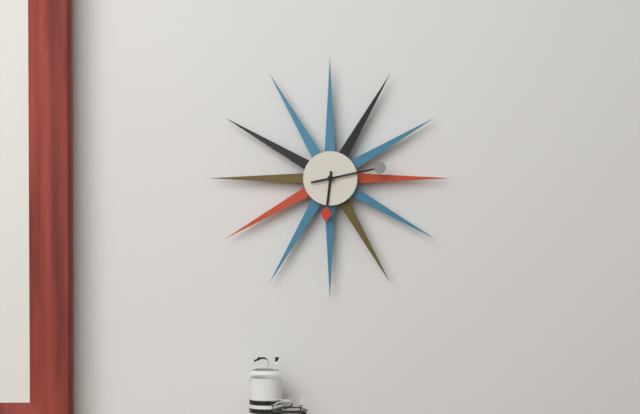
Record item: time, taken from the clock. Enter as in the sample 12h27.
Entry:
6h13
